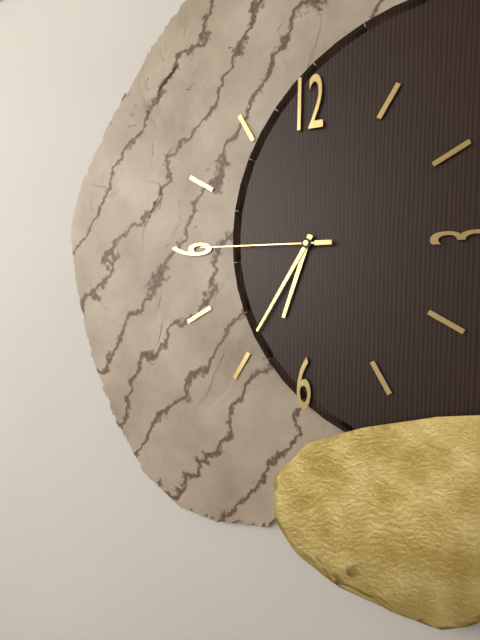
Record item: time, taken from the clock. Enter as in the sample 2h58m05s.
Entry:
6h35m45s
